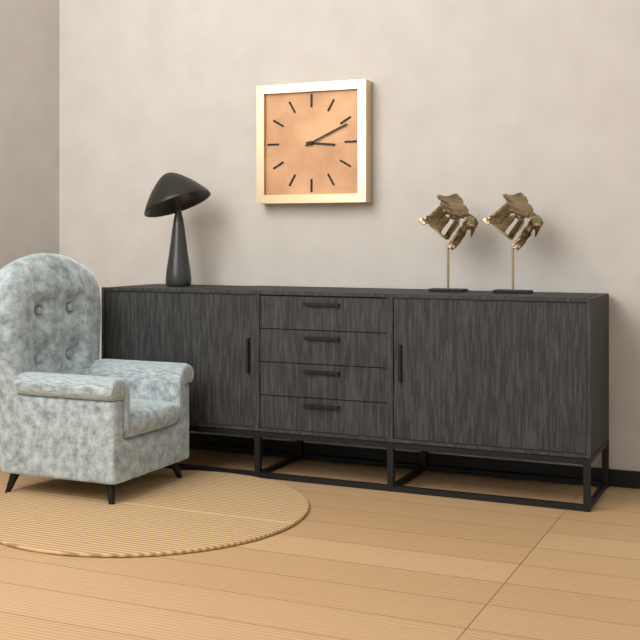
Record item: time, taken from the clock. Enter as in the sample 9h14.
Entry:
3h11
